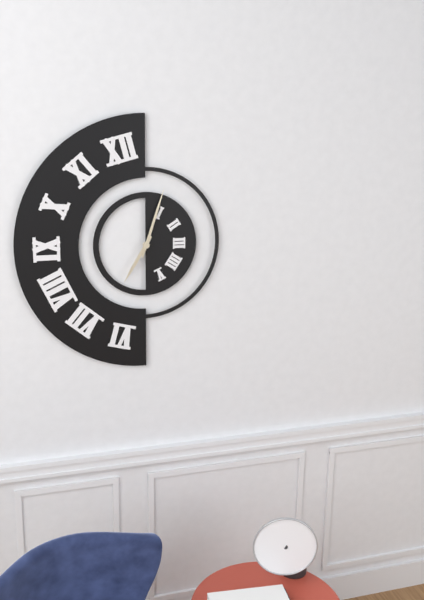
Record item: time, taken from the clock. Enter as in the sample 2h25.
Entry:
7h03
